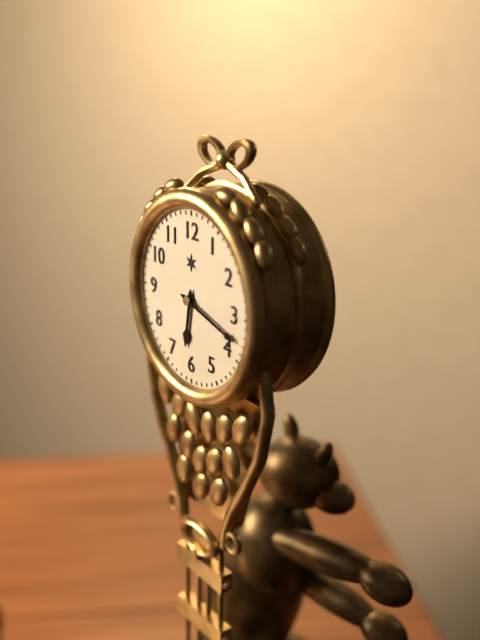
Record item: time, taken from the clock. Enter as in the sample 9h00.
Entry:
6h18
